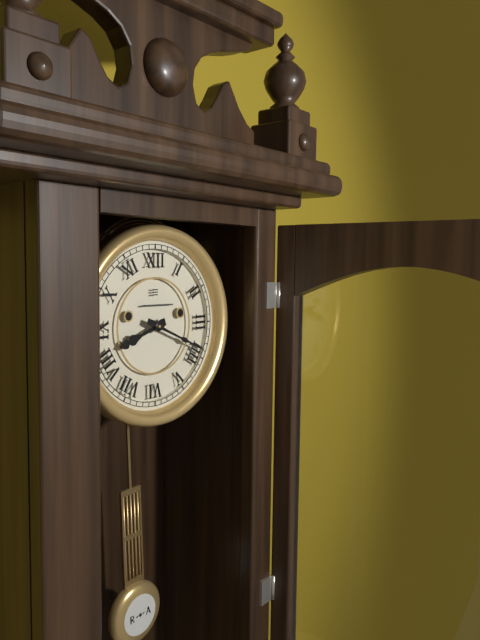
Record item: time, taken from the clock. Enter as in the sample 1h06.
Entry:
8h19
